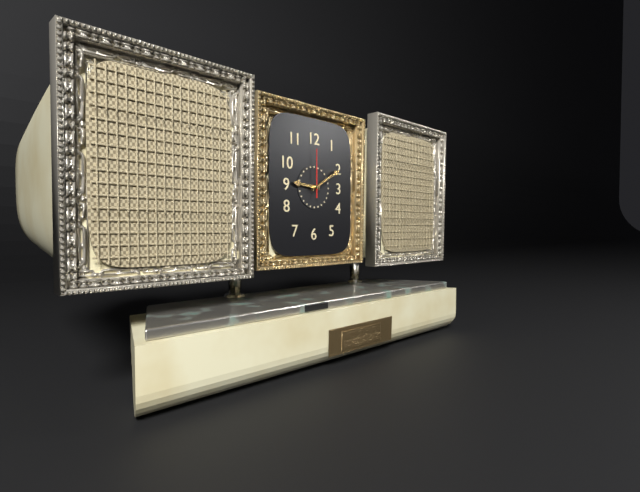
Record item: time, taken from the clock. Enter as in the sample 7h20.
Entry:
9h10
